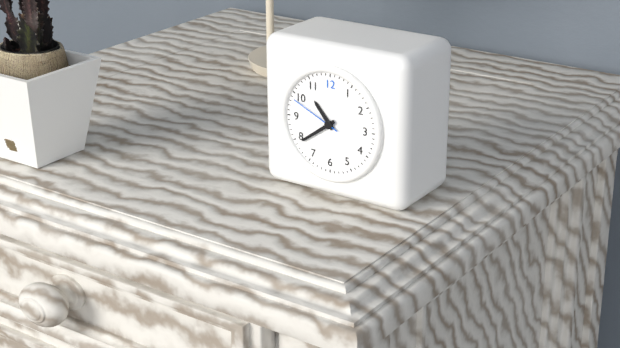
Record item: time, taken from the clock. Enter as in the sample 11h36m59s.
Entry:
10h39m49s
